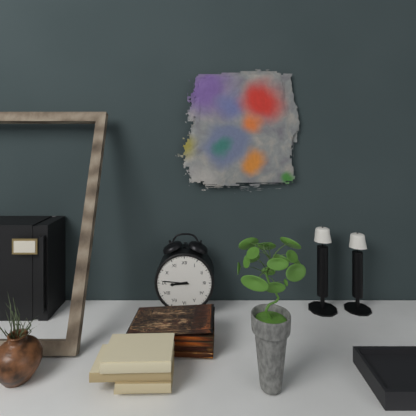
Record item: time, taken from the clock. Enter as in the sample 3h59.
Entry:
8h46
